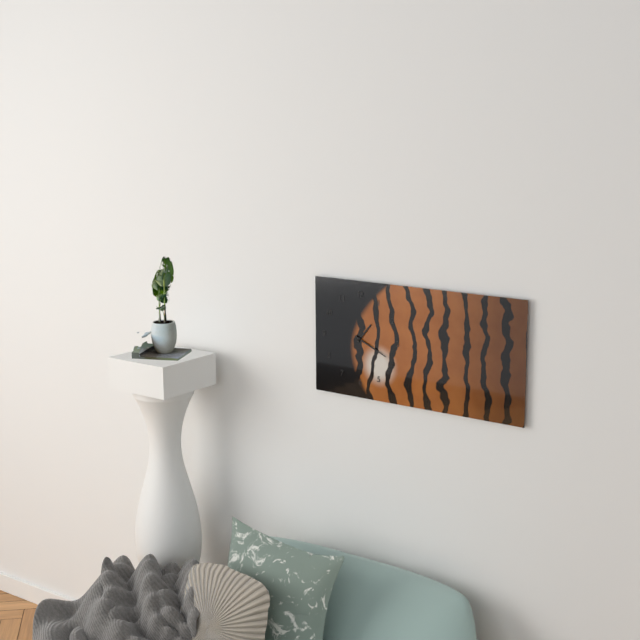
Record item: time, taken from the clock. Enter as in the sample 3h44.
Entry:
1h19
